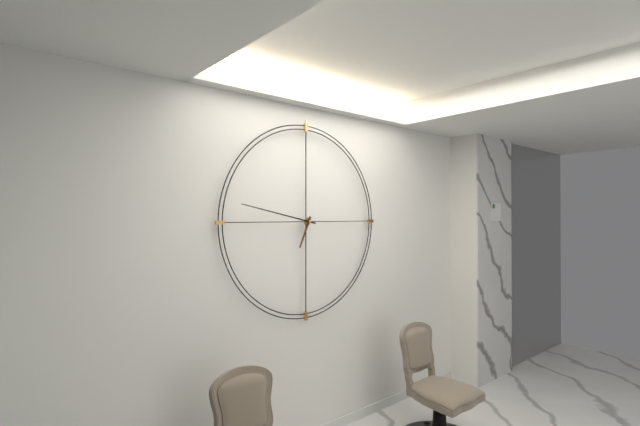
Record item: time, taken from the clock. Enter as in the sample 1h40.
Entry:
6h47
